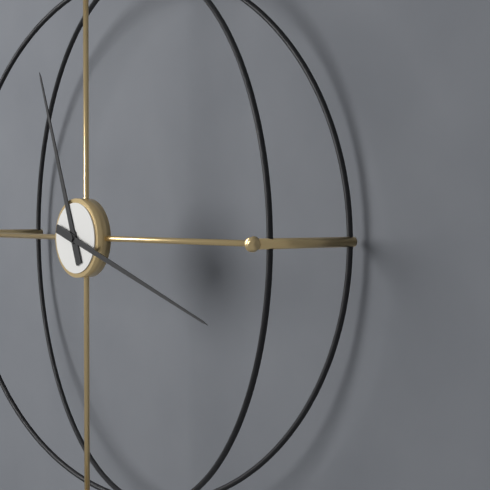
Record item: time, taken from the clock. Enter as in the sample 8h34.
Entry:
11h18
